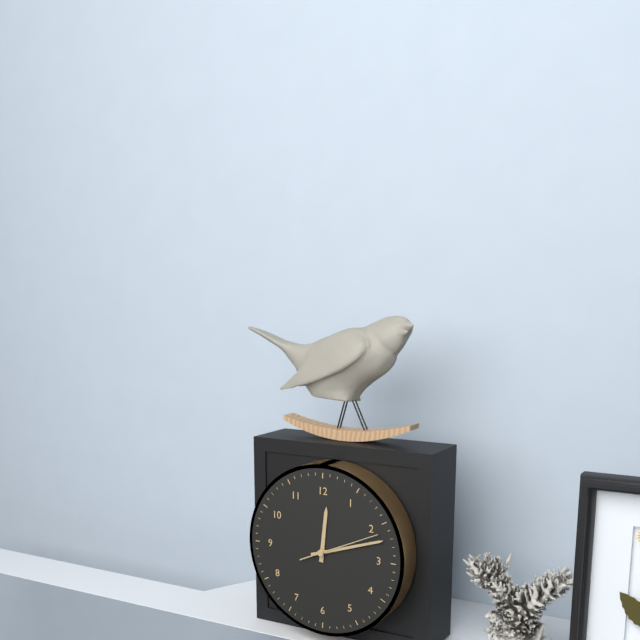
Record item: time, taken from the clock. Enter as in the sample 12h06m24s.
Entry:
12h12m11s
